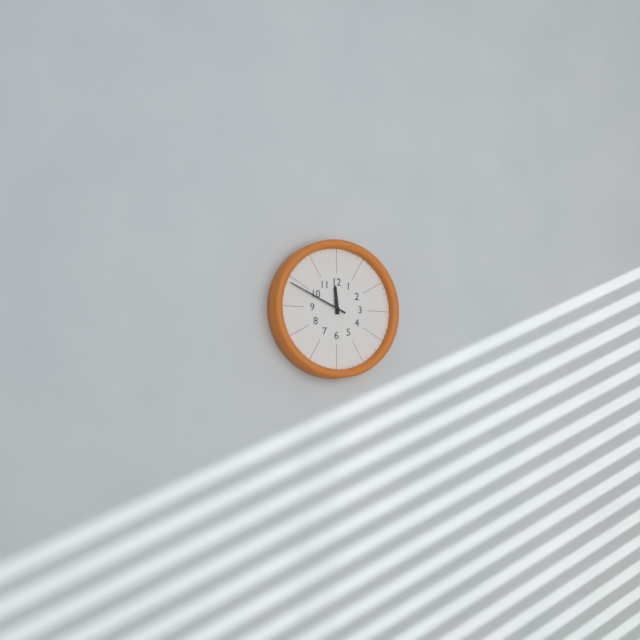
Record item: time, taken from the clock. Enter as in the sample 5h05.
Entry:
11h49
